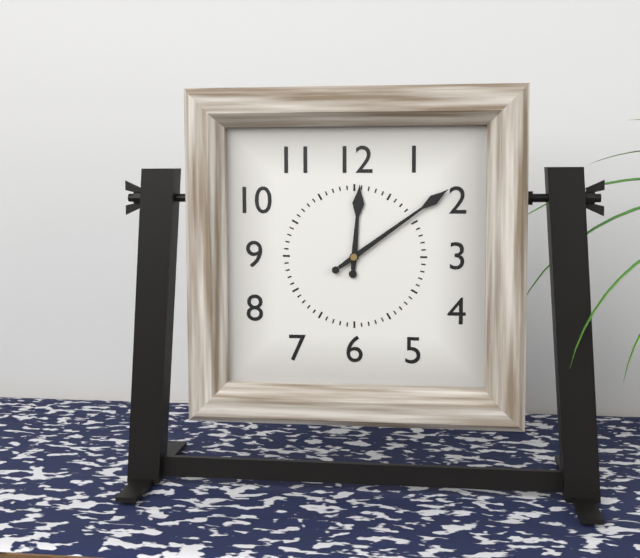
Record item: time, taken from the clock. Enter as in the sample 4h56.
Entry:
12h09
